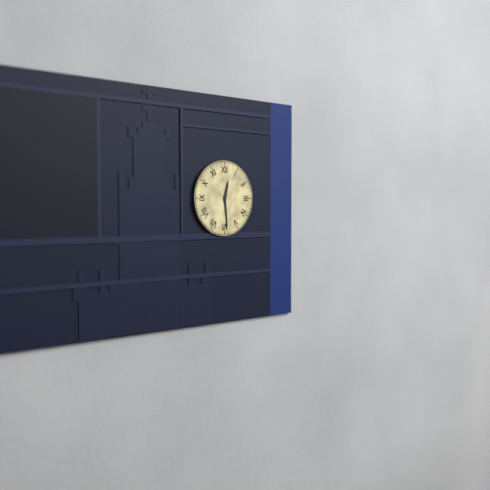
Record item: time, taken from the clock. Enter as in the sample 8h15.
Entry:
12h29
